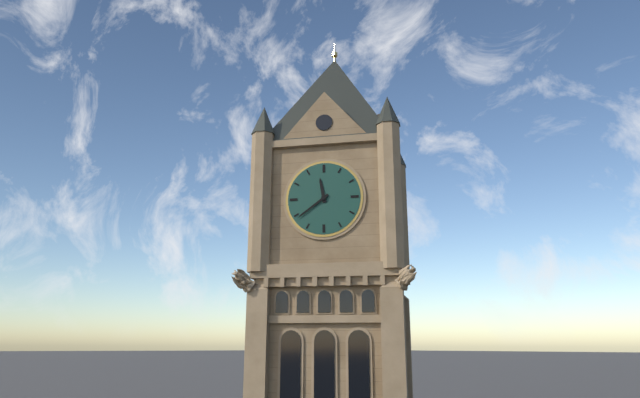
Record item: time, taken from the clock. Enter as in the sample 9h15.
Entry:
11h39
